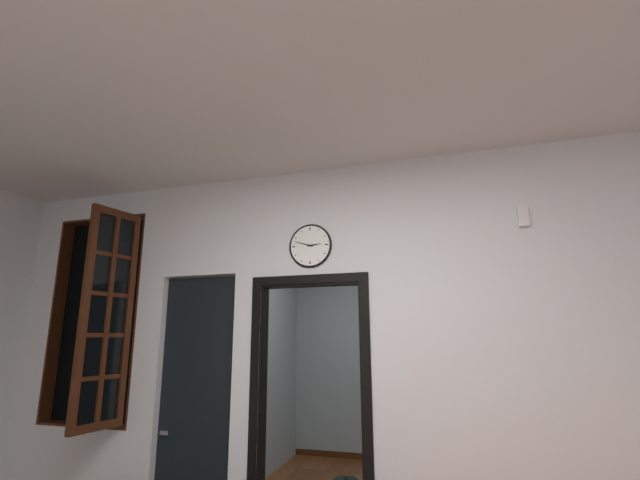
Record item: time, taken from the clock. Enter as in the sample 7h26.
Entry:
2h48
